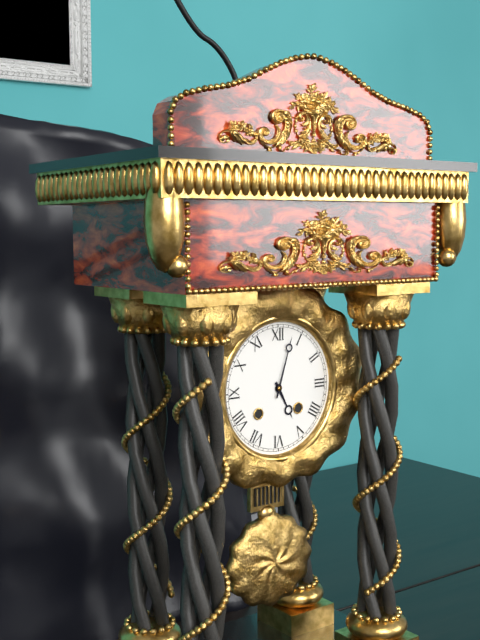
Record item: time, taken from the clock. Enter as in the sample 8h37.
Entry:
5h03
